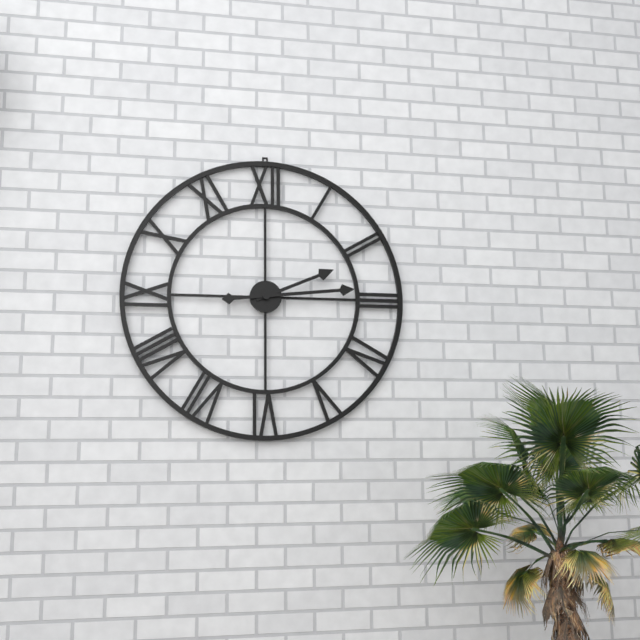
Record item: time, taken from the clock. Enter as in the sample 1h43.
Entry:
2h14
